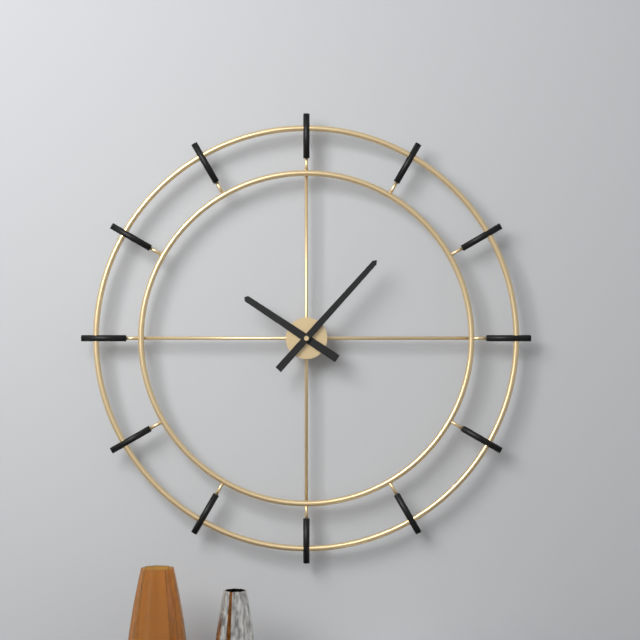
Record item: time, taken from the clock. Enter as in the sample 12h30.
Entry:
10h07
